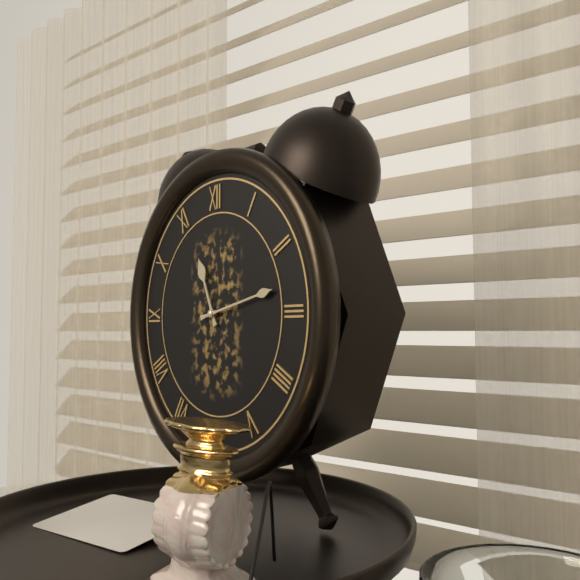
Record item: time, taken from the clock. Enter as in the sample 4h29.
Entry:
11h13
